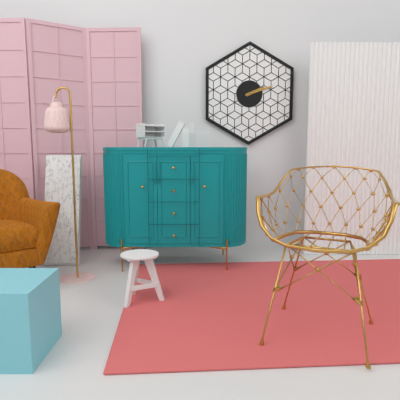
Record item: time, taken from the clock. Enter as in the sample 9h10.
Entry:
2h12
